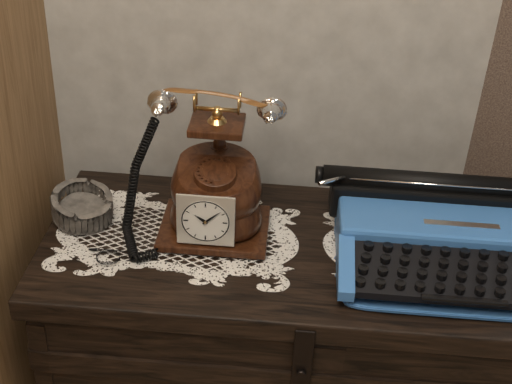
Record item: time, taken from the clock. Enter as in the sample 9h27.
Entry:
10h08
